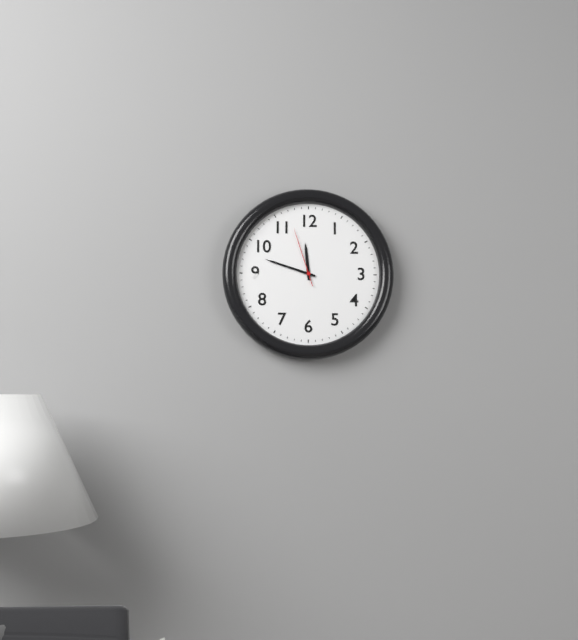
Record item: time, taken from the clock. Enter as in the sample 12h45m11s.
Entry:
11h48m57s
